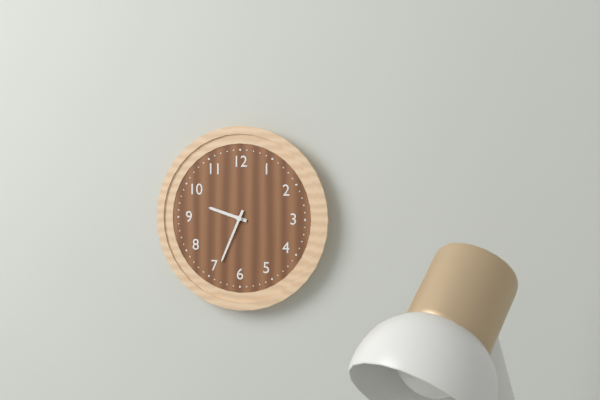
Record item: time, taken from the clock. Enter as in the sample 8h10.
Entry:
9h34
